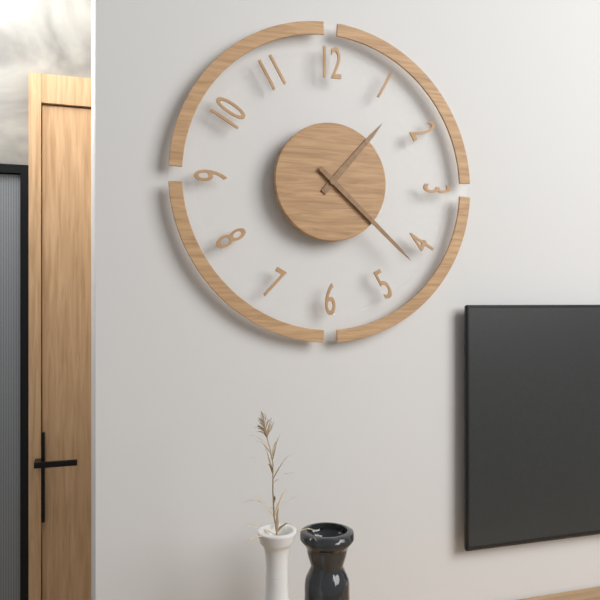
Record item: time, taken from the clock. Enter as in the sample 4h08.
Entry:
1h22
